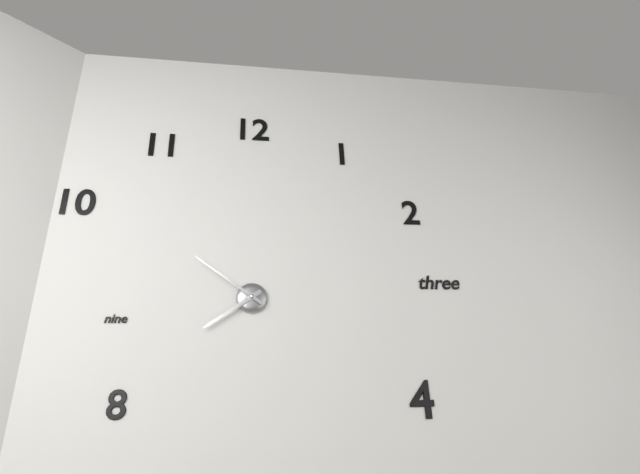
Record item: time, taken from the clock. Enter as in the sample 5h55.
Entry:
7h51
